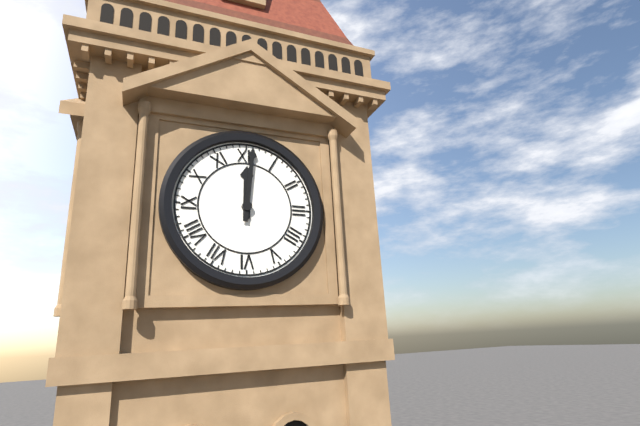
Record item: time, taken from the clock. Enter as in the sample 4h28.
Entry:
12h01
